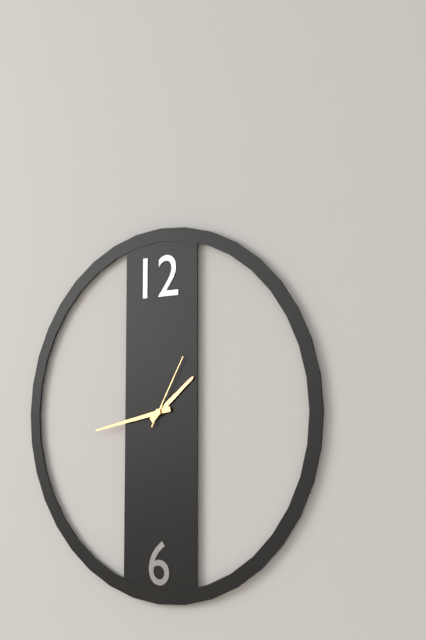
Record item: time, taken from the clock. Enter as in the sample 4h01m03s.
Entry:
1h43m05s
